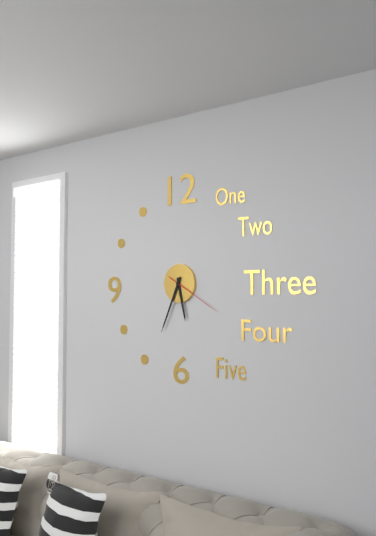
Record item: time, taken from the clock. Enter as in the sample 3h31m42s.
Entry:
5h34m20s
